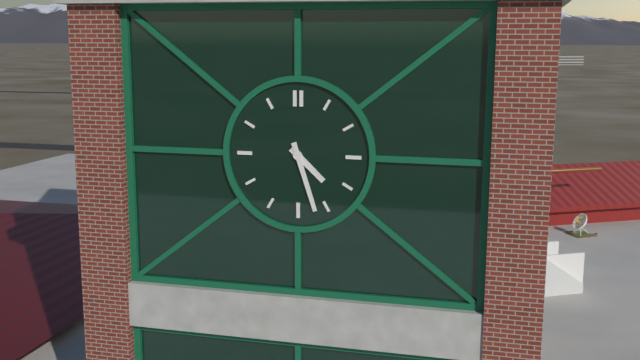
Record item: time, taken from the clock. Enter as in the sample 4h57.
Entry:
4h27
